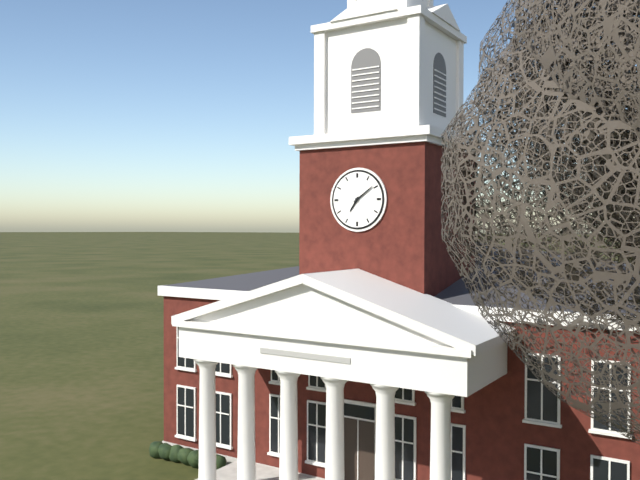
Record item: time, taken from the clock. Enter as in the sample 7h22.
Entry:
7h09
